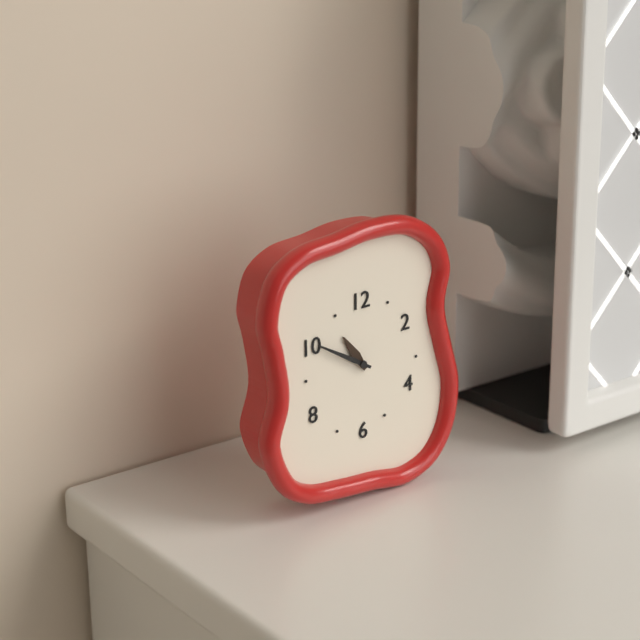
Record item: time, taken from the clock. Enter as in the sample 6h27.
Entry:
10h50
